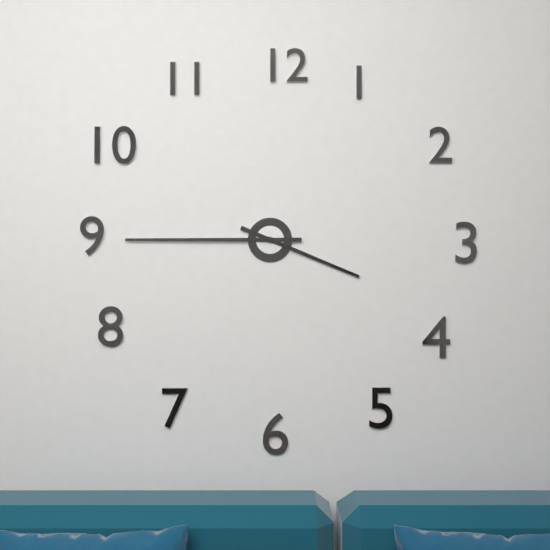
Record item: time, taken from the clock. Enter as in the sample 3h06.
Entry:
3h45
